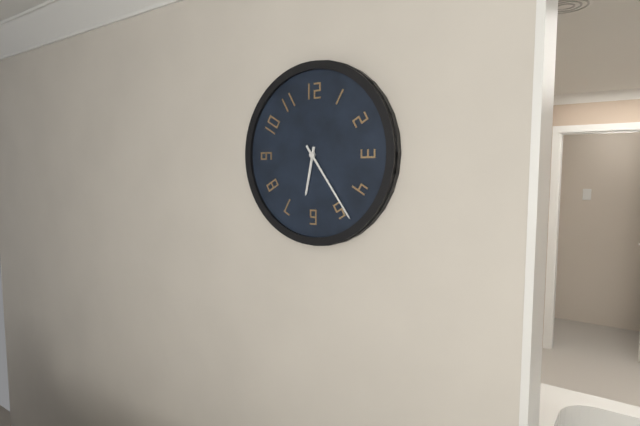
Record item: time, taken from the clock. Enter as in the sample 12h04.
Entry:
6h24
